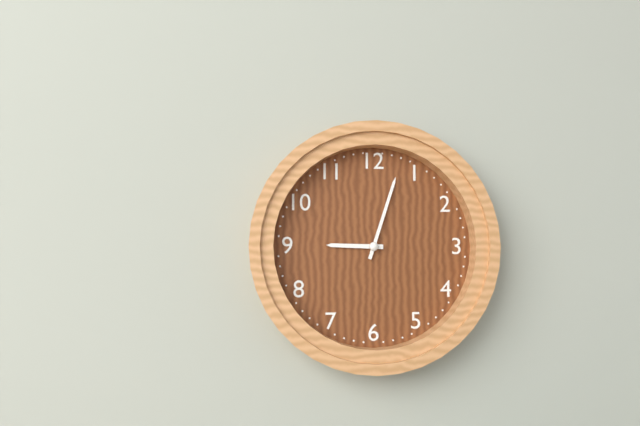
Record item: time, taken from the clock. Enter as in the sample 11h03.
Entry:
9h03
